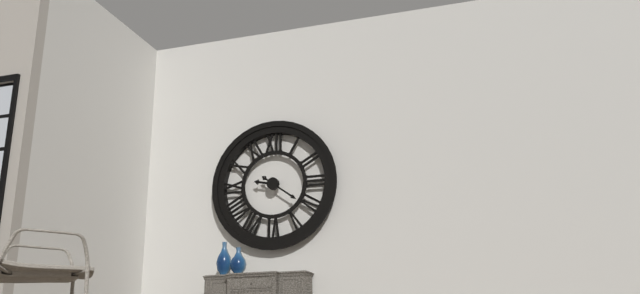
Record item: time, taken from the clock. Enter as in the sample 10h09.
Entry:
9h21
